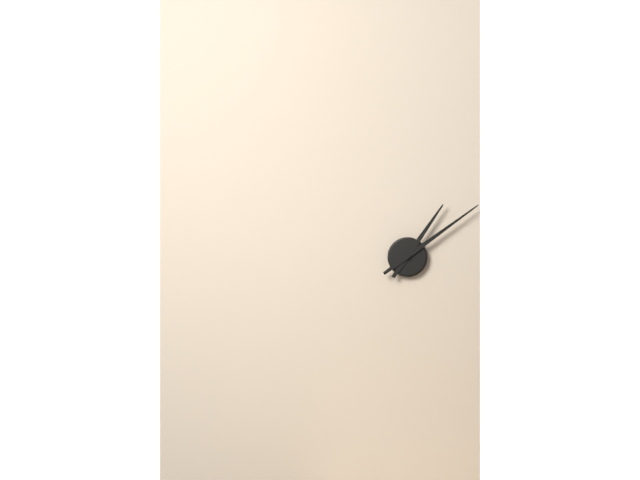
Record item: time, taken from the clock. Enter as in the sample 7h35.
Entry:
1h09
